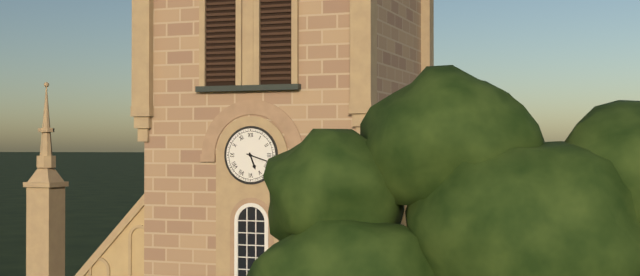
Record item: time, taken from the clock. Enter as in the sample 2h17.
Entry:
5h18
